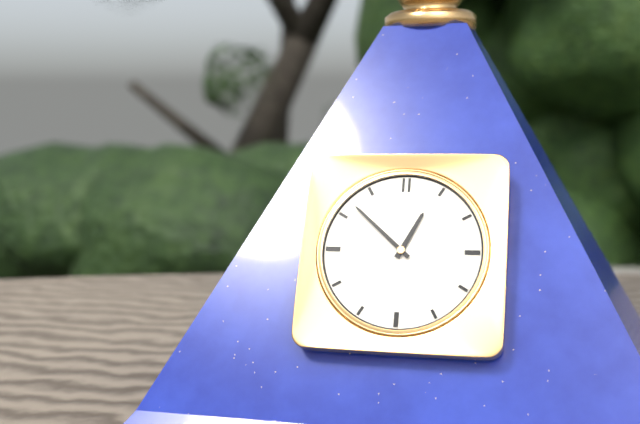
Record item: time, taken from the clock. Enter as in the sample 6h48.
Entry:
12h52
